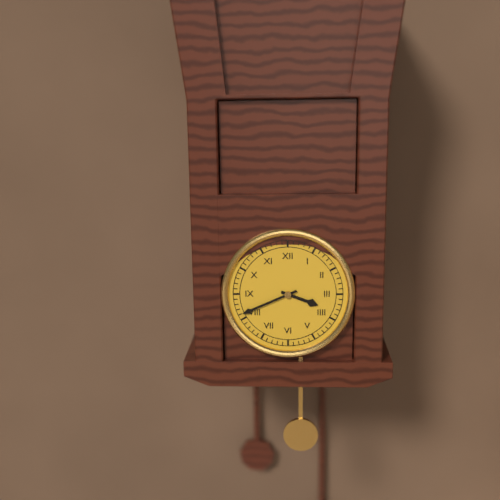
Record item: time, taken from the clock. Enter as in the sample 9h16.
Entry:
3h41
